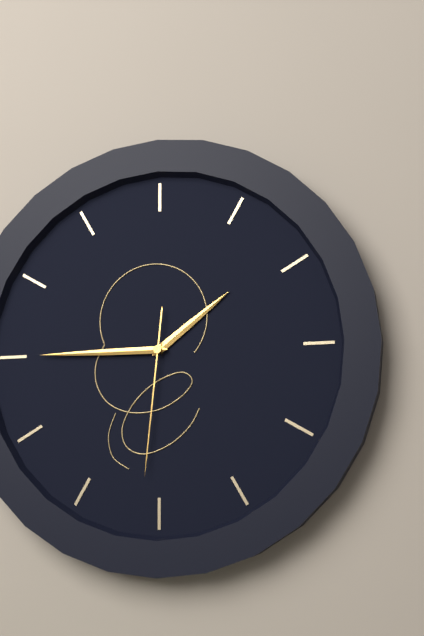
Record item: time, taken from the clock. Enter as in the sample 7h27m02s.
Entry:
1h45m31s
